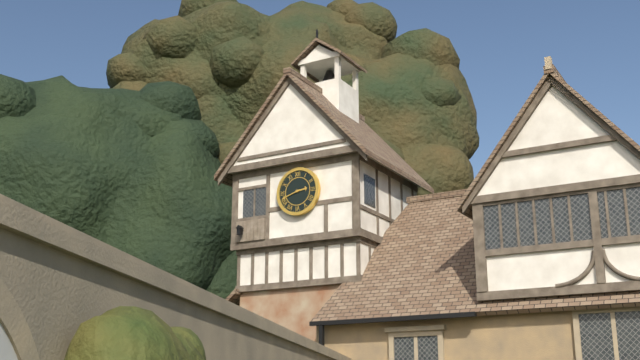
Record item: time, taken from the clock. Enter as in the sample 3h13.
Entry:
2h42
